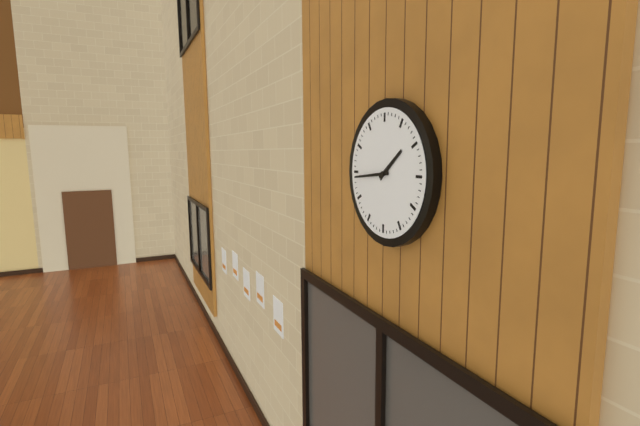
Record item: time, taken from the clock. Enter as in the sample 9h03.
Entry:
1h44
